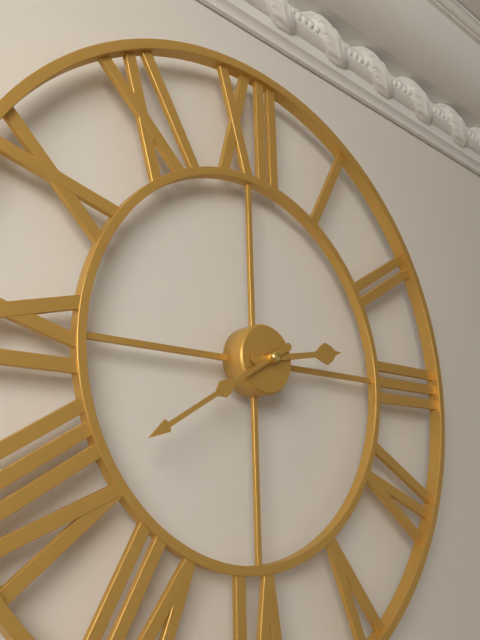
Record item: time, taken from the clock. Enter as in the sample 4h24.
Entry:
2h40
